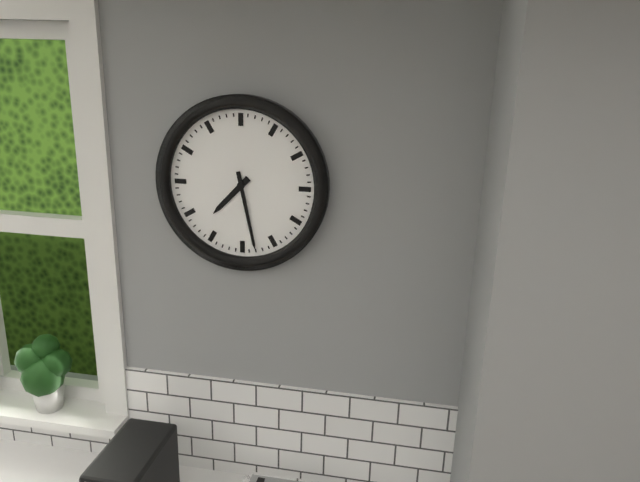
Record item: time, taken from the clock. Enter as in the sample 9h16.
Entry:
7h28
